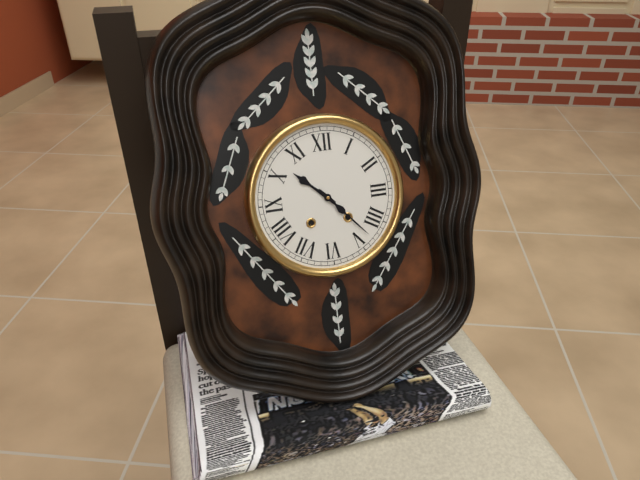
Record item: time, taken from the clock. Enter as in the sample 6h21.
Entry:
10h23
